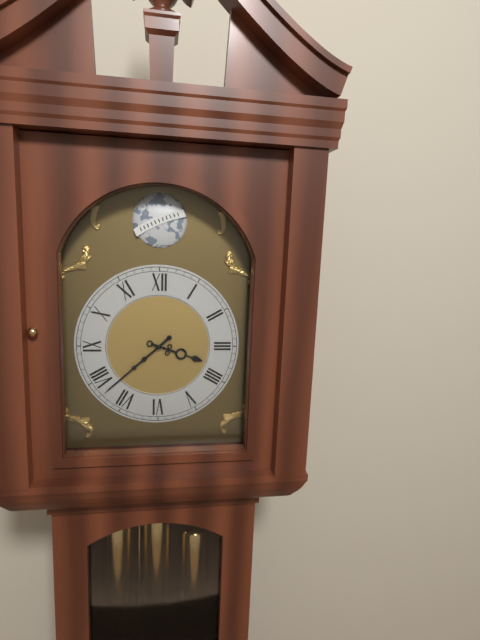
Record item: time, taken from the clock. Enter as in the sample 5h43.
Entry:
3h38
